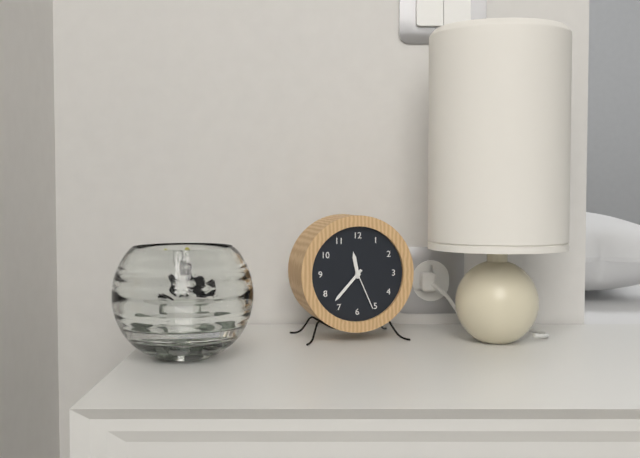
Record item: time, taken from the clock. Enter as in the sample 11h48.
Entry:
11h37
